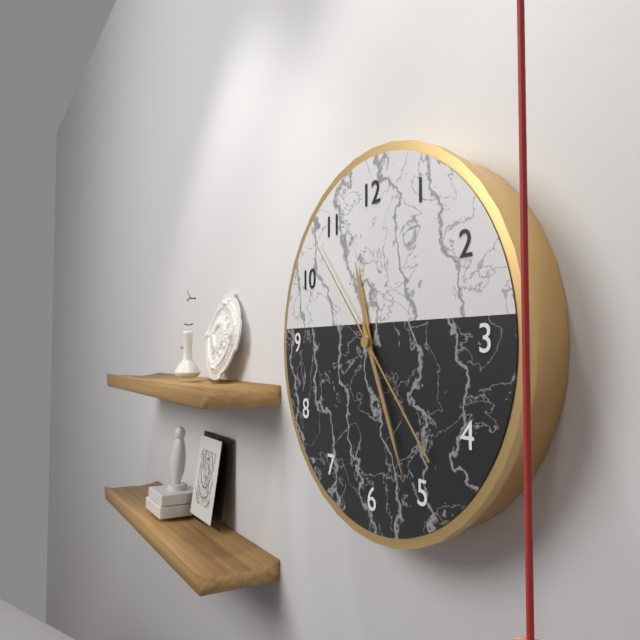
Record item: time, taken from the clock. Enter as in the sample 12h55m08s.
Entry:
11h26m53s
